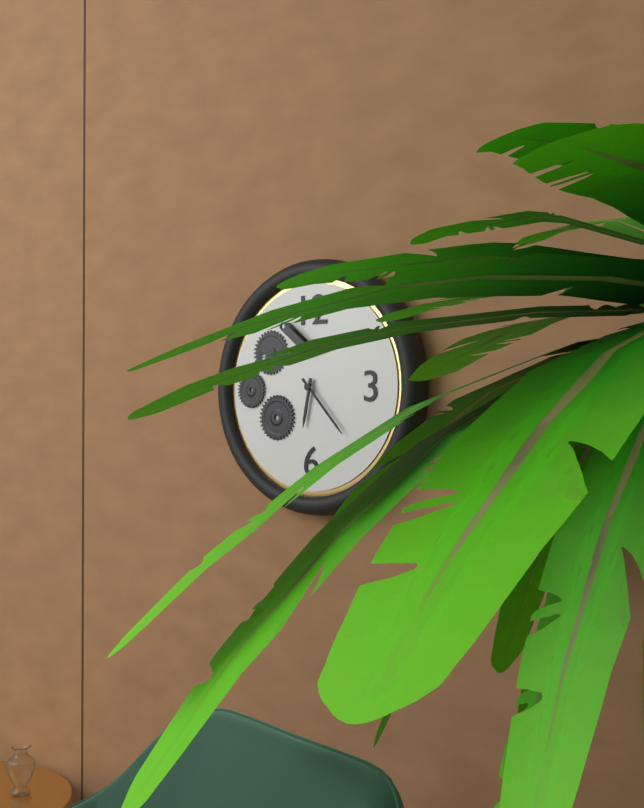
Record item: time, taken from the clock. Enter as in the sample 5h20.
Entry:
6h23
